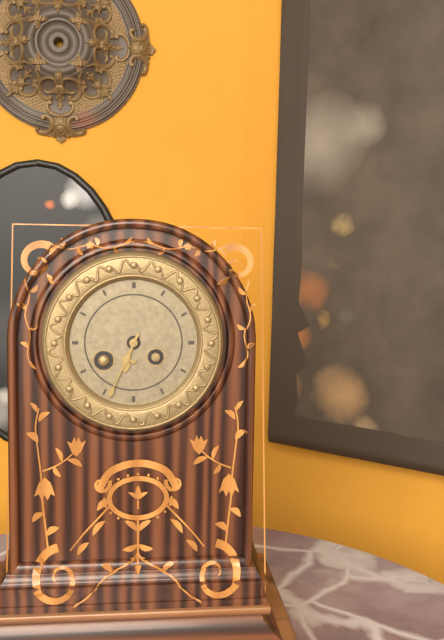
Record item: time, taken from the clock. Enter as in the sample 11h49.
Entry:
6h34
